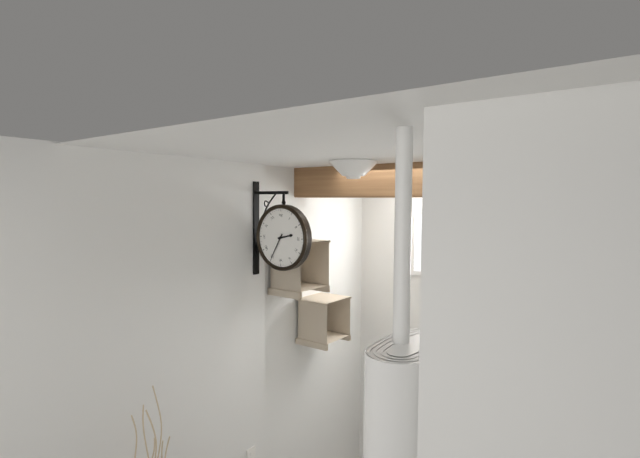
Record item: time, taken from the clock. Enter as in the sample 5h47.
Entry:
2h35
